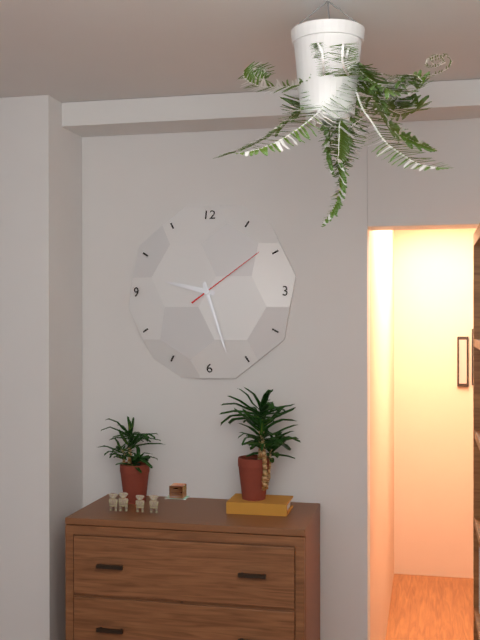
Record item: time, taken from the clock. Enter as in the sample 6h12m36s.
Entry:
9h27m09s
